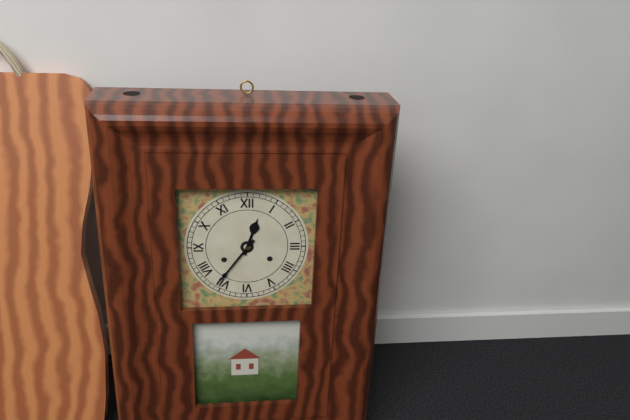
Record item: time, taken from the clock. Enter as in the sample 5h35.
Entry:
12h36
